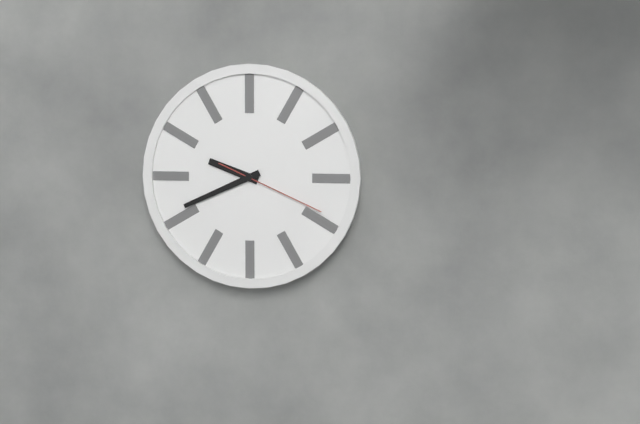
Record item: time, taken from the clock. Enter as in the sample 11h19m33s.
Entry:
9h41m19s
